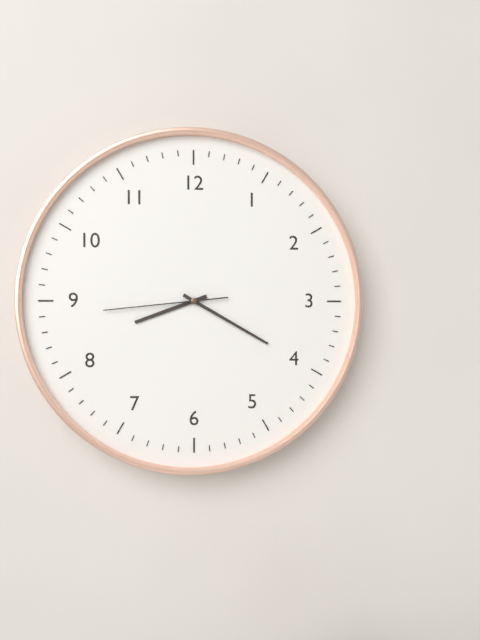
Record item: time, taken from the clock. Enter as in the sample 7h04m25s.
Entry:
8h20m44s
